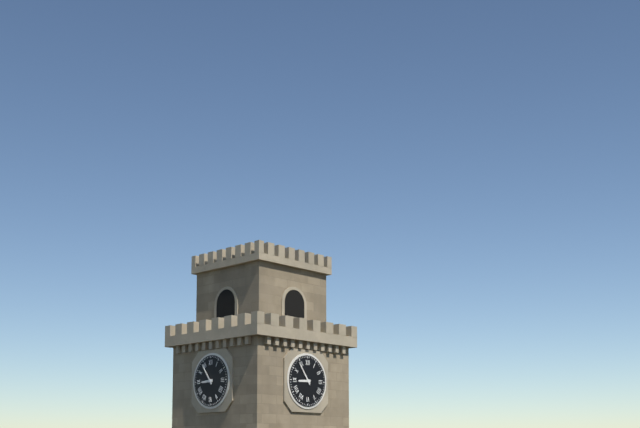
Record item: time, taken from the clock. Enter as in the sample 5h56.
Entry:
8h54
